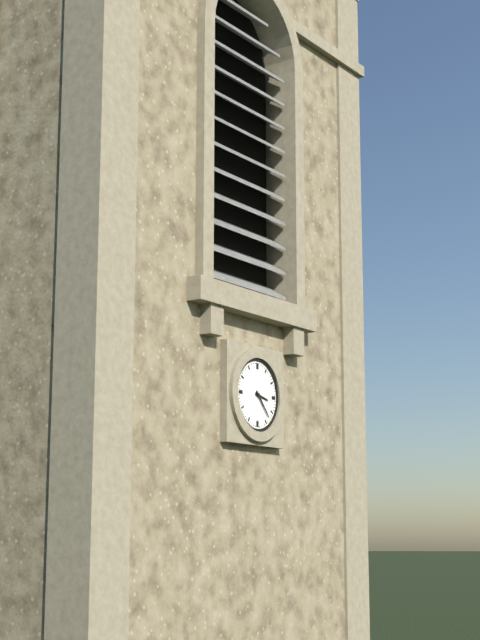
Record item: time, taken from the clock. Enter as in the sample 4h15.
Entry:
3h23
